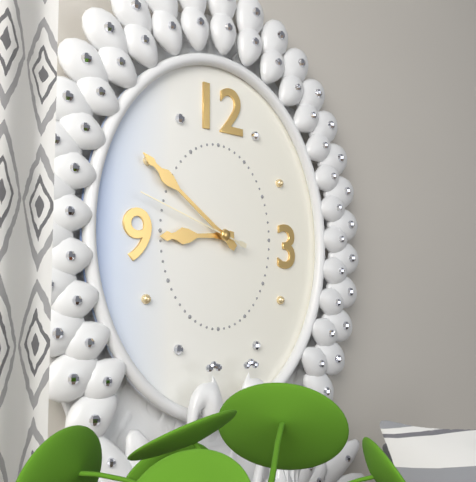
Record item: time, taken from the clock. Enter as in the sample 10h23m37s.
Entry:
8h51m48s
